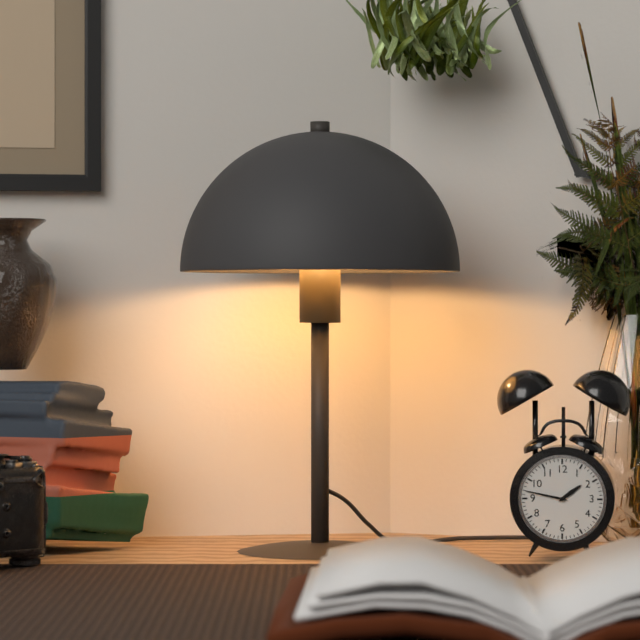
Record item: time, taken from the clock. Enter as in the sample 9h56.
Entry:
1h47
